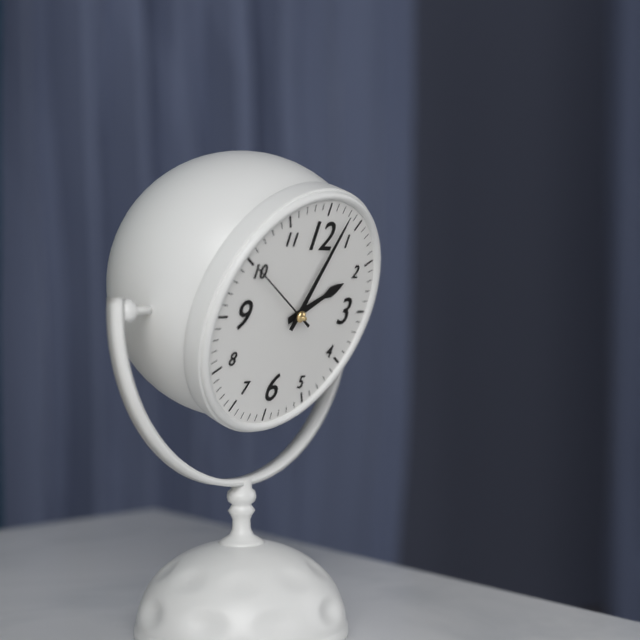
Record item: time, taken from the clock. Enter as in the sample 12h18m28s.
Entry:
2h03m50s
